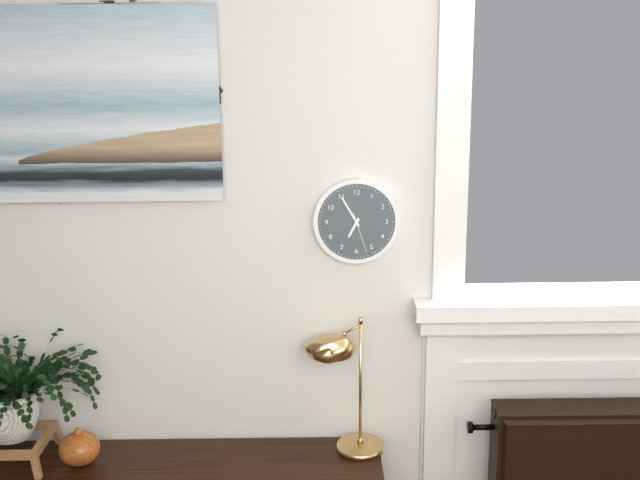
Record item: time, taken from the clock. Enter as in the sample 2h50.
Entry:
6h55
